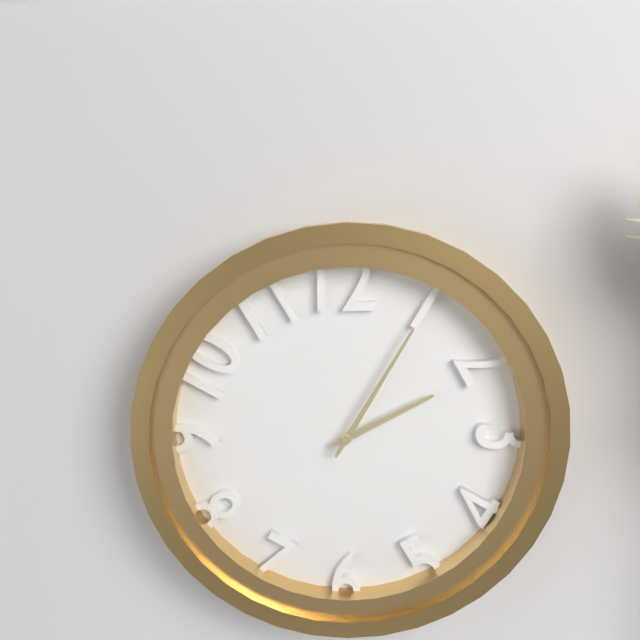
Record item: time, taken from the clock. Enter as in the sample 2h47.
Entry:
2h05
